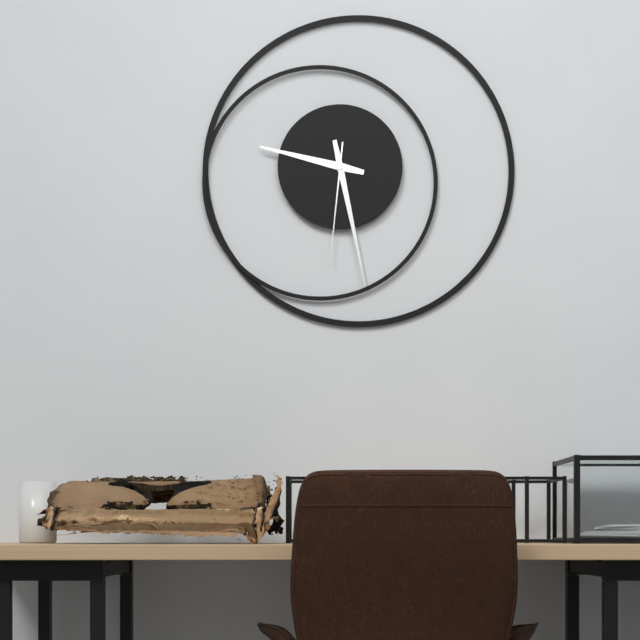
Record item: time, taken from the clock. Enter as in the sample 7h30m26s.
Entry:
9h28m31s
